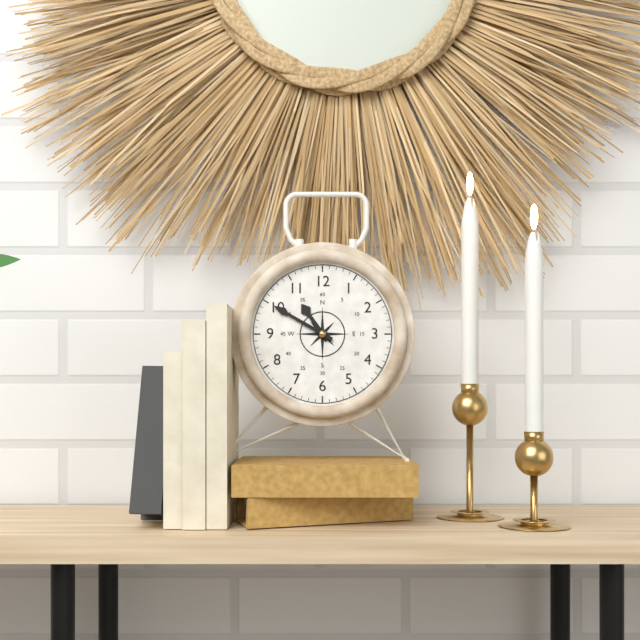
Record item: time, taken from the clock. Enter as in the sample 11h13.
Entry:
10h50
